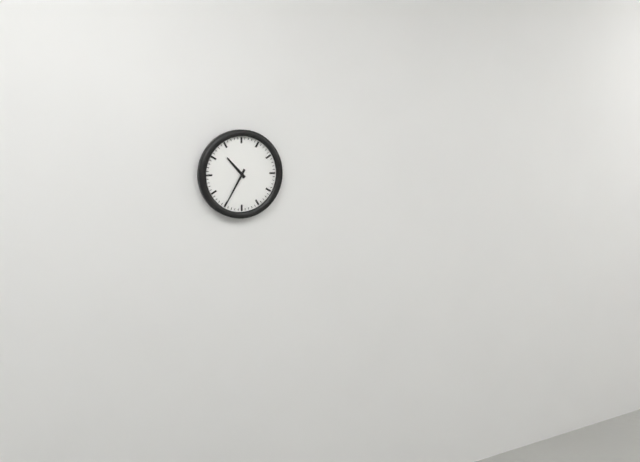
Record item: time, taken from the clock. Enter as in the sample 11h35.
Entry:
10h35
